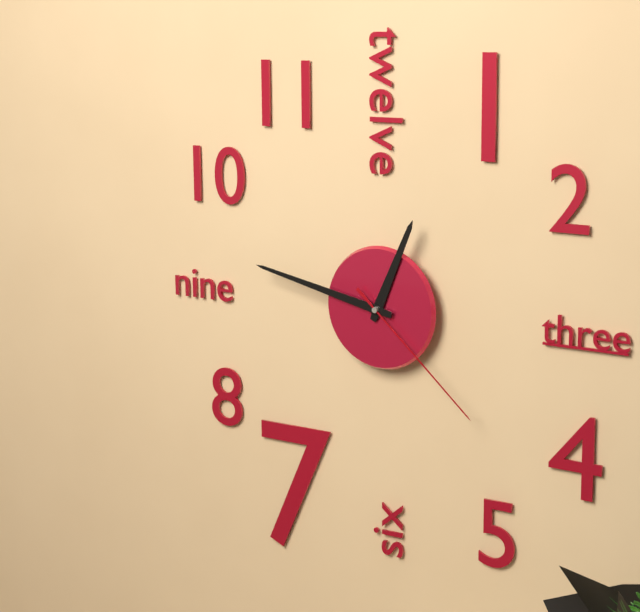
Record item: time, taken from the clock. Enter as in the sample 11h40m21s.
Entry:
12h47m22s
